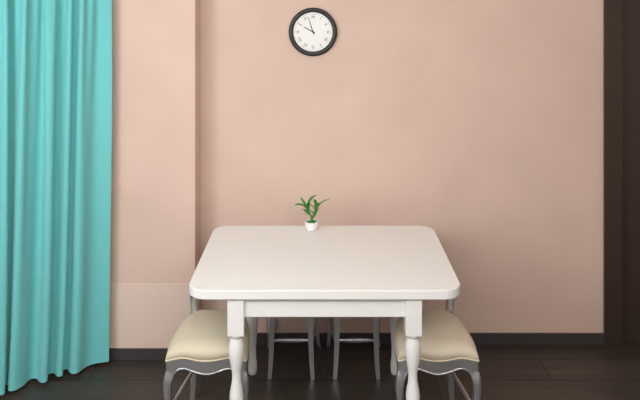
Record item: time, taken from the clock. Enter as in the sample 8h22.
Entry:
9h57
